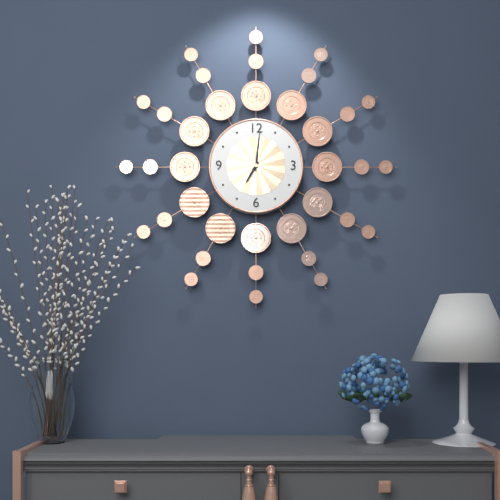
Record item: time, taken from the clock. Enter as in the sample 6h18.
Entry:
7h01
